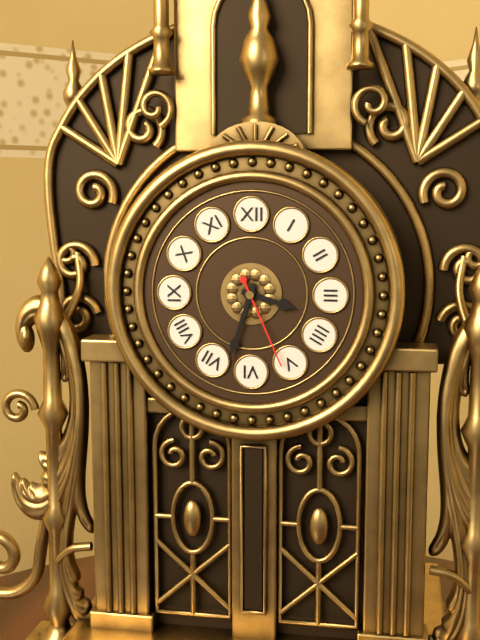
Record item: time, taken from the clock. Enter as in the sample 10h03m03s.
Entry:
3h33m26s
